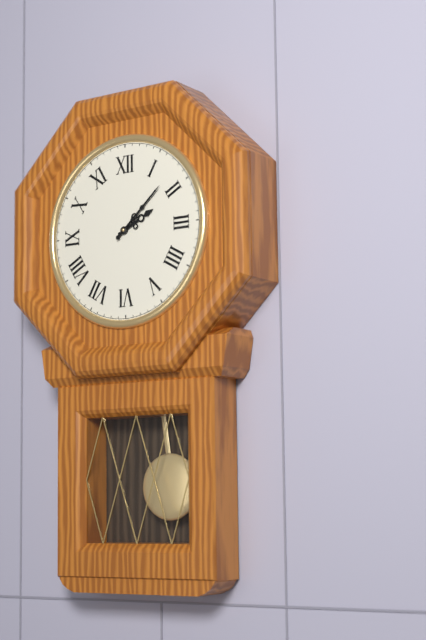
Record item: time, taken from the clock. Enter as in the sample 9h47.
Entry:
2h08
